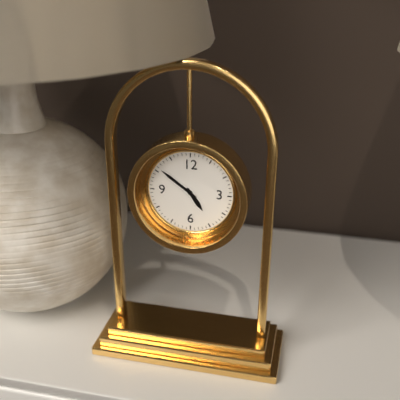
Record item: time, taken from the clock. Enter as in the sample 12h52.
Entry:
4h51
